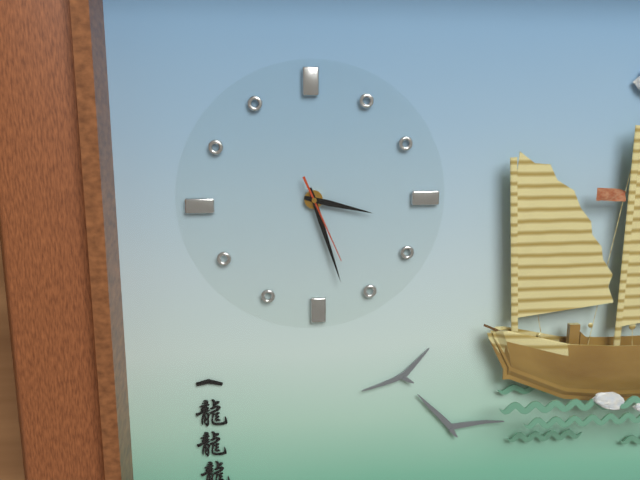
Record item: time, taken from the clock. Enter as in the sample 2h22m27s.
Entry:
3h27m26s
